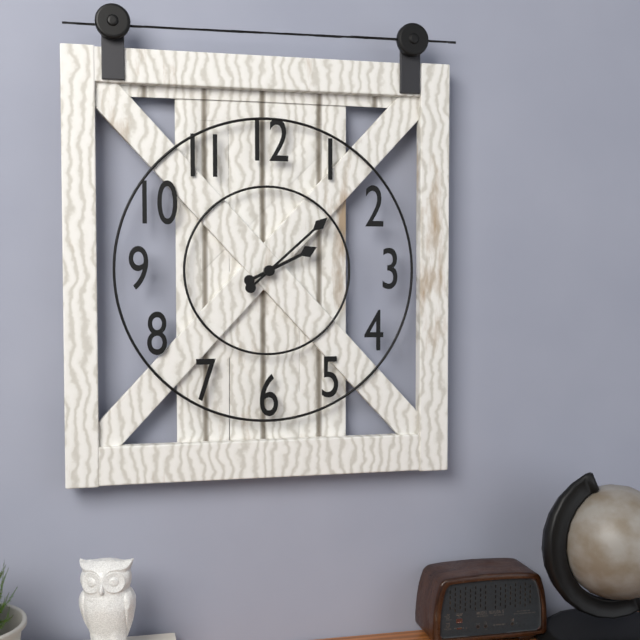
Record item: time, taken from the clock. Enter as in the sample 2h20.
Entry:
2h08
